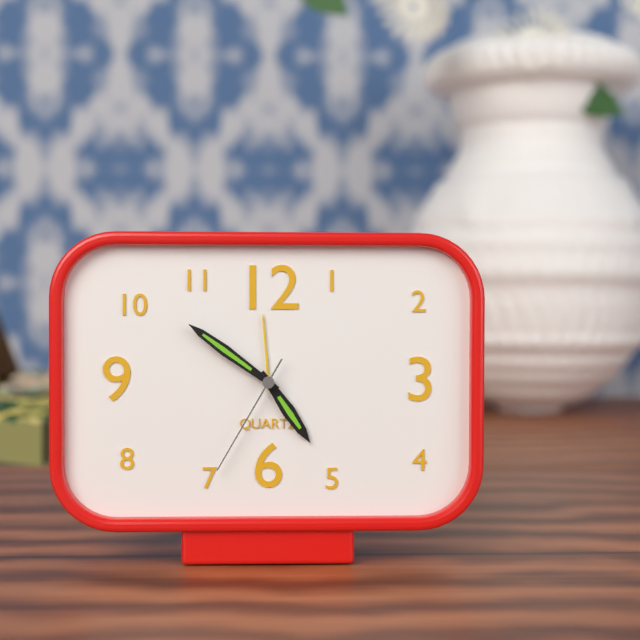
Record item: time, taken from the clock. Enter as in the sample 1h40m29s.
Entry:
4h51m35s
